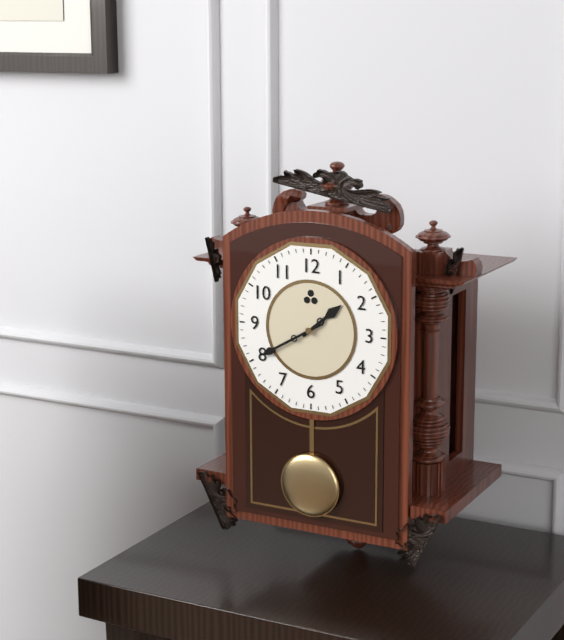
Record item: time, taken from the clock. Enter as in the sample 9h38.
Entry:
1h40
